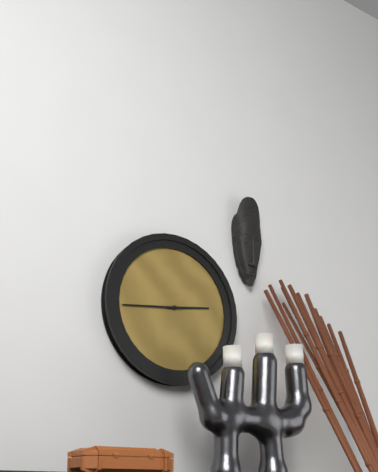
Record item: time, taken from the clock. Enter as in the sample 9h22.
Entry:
2h44
